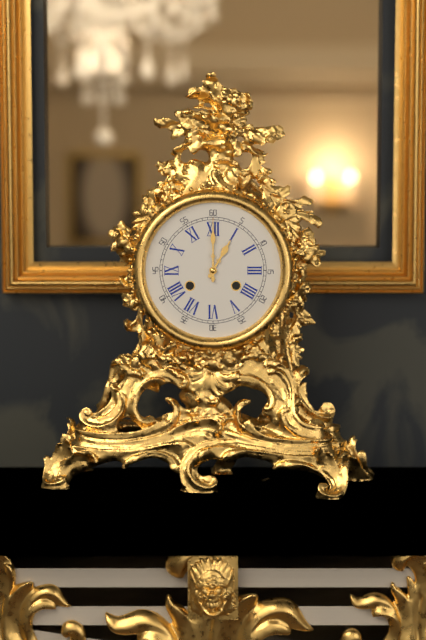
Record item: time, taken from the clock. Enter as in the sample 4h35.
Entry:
1h00
